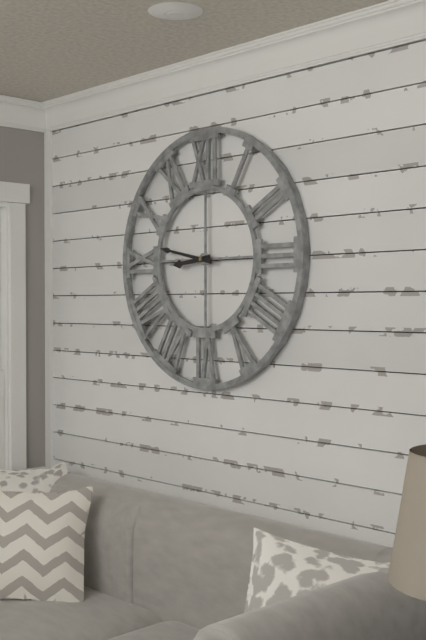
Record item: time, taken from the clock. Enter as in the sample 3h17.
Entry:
8h47
